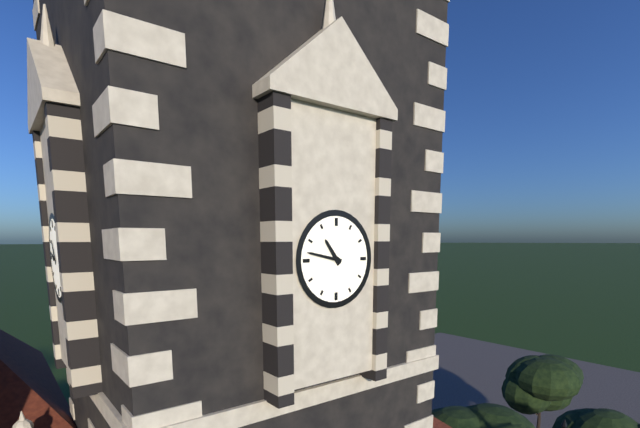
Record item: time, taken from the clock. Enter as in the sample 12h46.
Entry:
10h47
